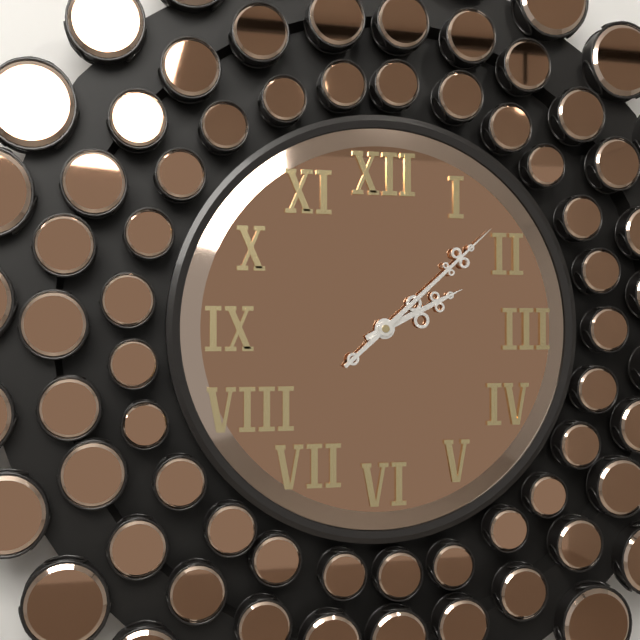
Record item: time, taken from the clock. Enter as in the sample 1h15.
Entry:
2h08
